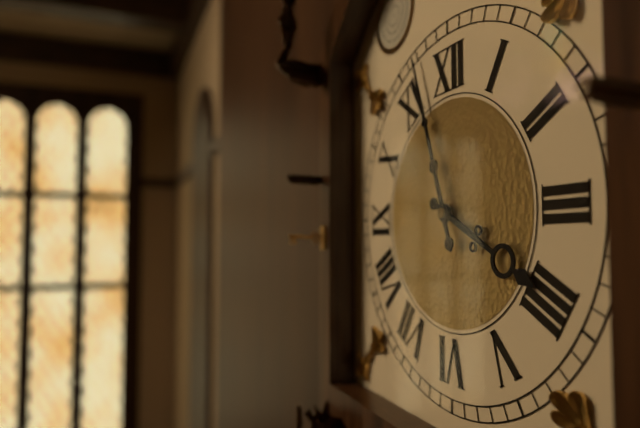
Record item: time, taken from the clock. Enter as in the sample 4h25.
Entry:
3h57
